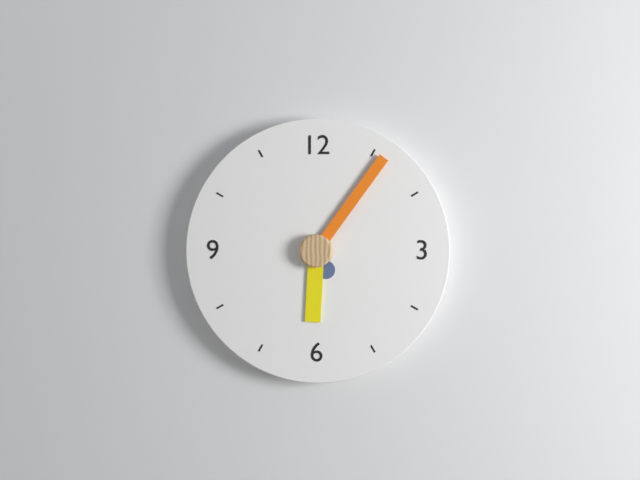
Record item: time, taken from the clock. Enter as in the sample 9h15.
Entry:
6h06
